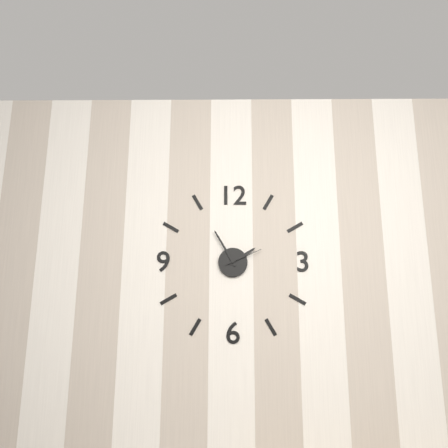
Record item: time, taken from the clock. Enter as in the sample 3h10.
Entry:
1h55
